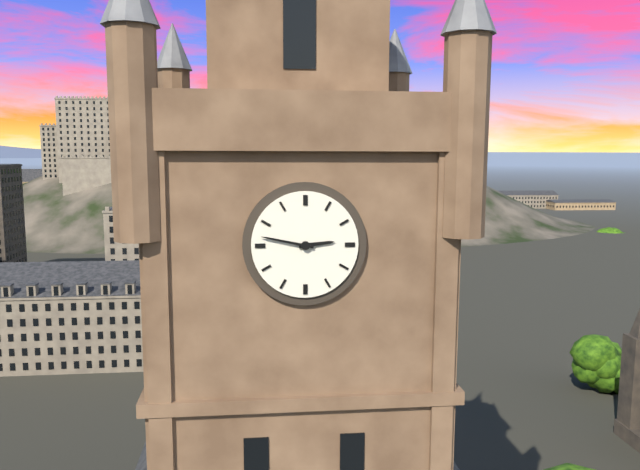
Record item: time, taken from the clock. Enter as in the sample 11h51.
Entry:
2h47
